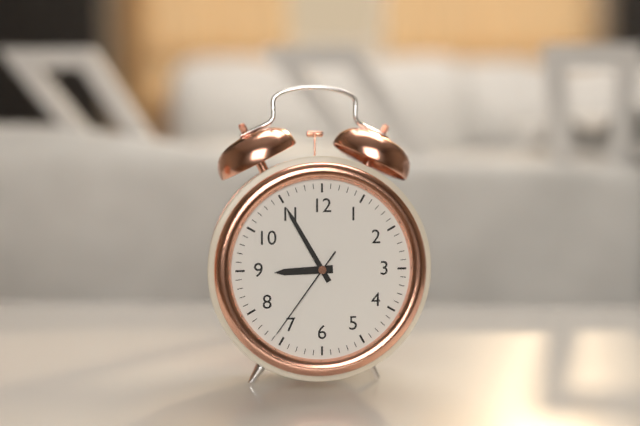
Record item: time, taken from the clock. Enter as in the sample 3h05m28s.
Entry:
8h55m36s
